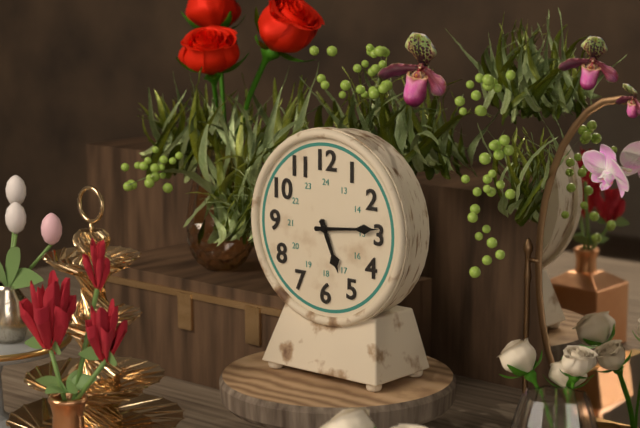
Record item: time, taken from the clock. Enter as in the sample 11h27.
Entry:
5h14
